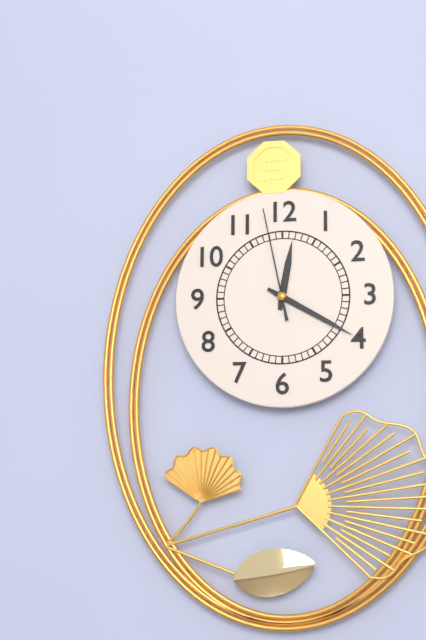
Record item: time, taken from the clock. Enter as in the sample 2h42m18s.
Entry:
12h20m58s
